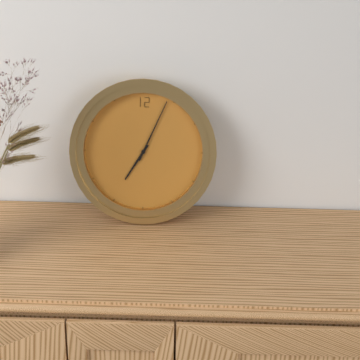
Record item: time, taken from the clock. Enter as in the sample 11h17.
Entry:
7h04
